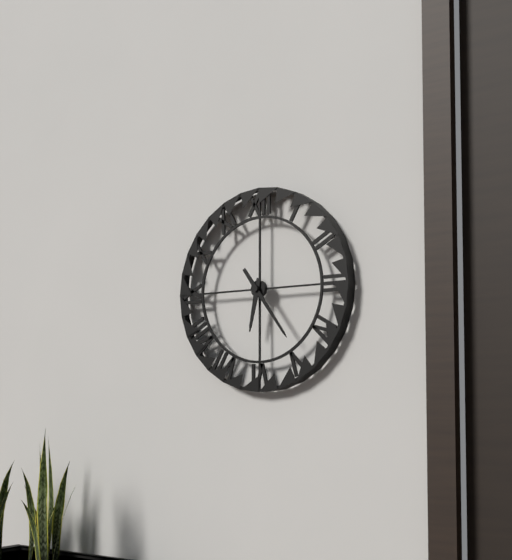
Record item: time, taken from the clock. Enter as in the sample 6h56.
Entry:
6h24
